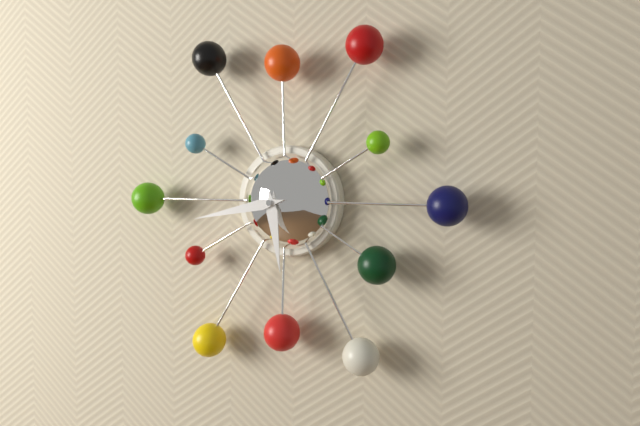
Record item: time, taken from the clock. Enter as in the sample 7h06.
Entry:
5h43
